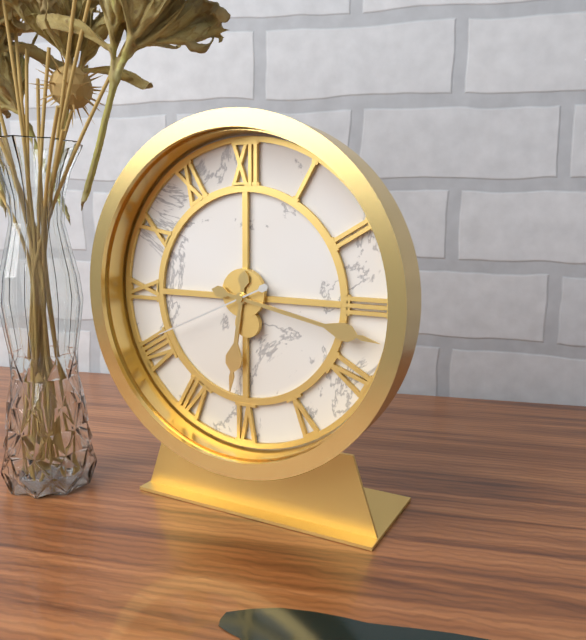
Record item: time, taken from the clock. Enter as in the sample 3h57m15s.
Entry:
6h17m41s
